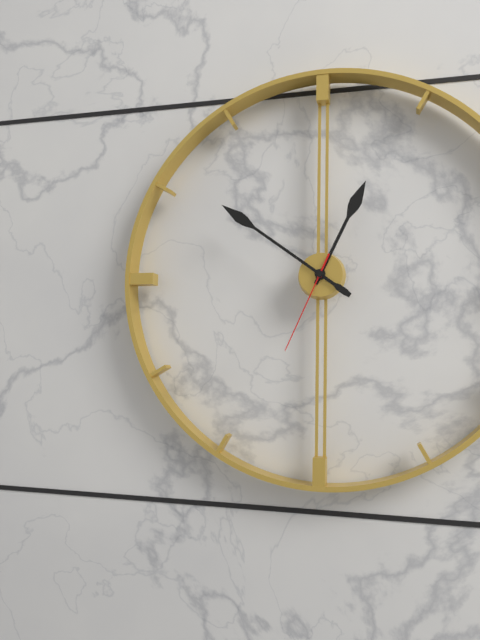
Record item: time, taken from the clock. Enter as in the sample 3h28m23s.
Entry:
12h51m34s
